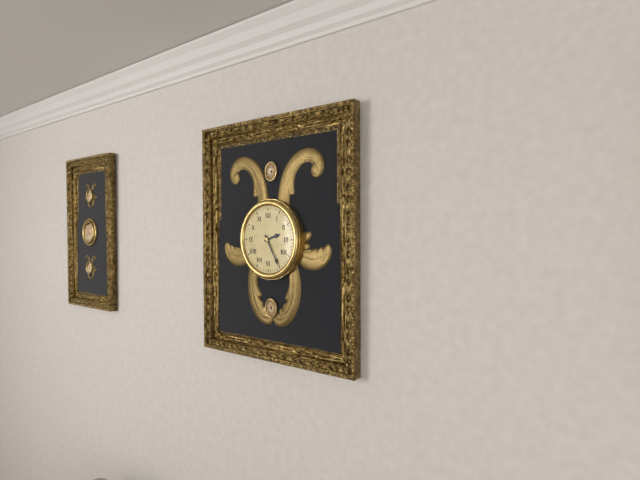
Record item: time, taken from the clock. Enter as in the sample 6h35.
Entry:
2h25
